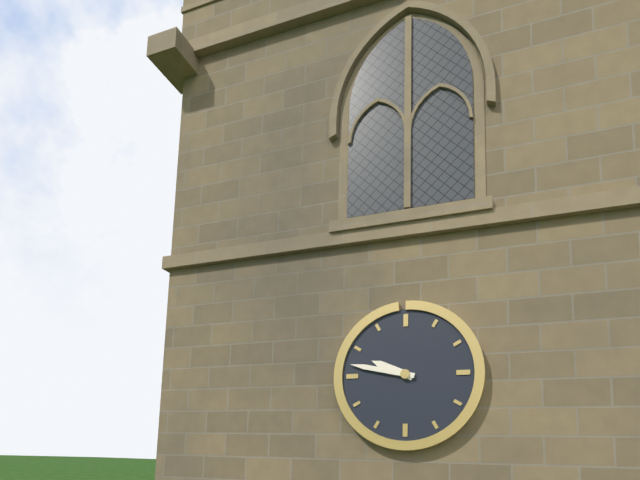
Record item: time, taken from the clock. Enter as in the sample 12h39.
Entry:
9h47
